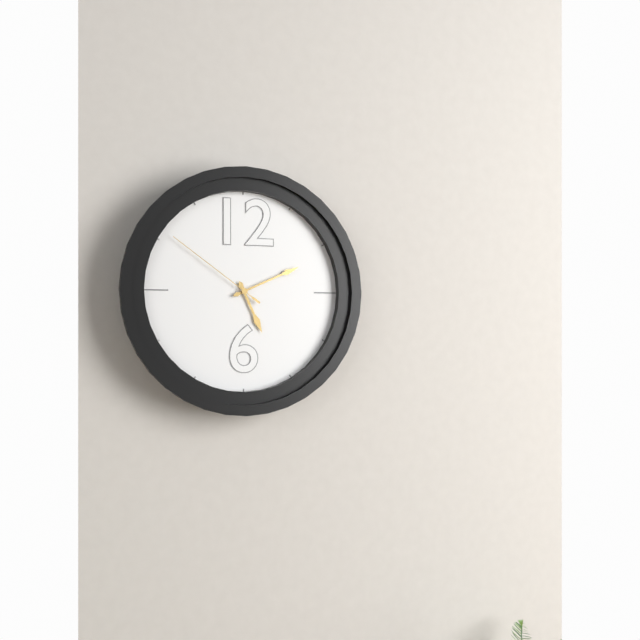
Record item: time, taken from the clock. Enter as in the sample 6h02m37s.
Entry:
5h11m51s
